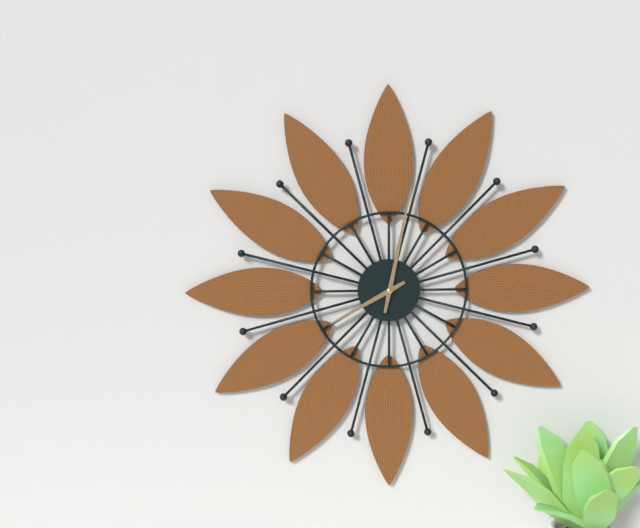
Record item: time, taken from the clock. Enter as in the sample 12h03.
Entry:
8h02
